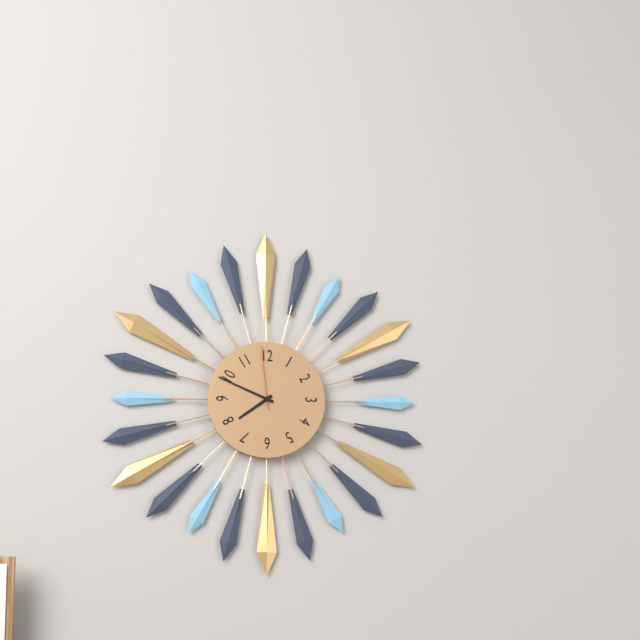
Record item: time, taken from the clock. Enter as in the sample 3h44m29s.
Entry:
7h49m59s
